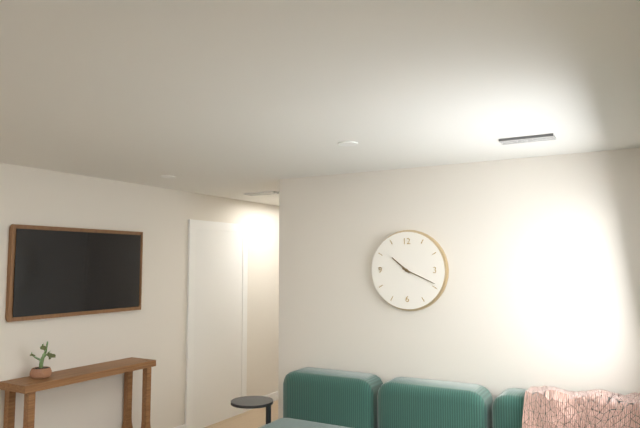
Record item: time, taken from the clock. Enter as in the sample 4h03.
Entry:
10h19
